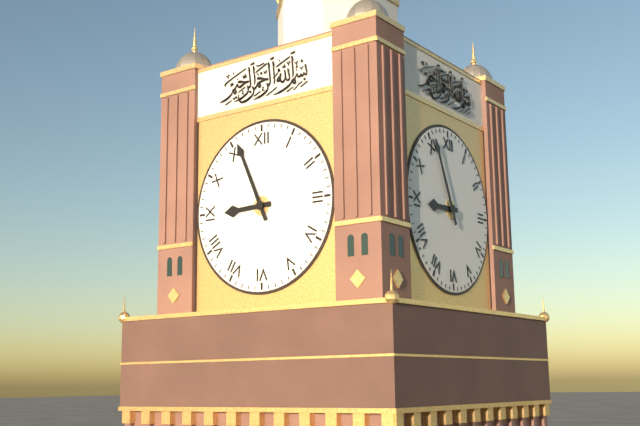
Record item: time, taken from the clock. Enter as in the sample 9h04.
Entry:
8h56
